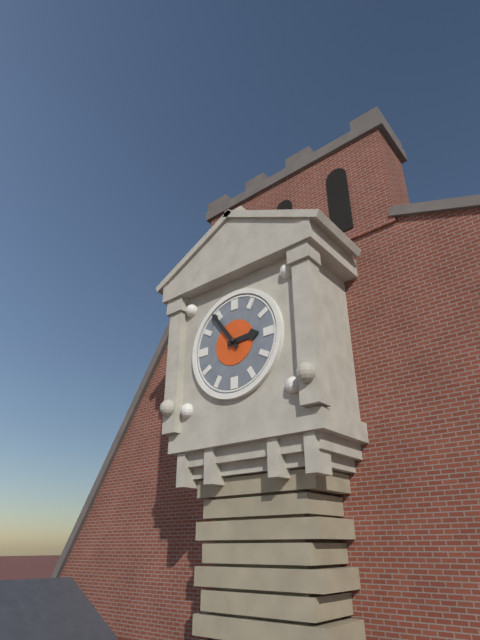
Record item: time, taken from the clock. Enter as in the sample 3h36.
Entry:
2h54
